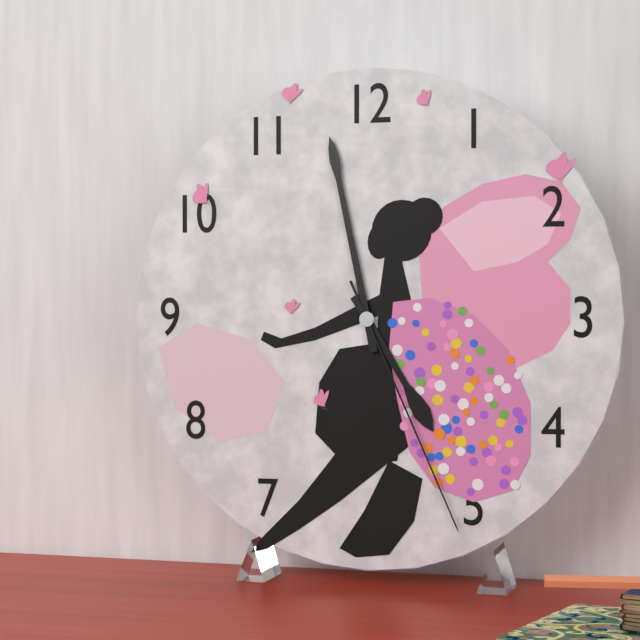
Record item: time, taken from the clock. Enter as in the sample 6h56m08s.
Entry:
4h58m26s
